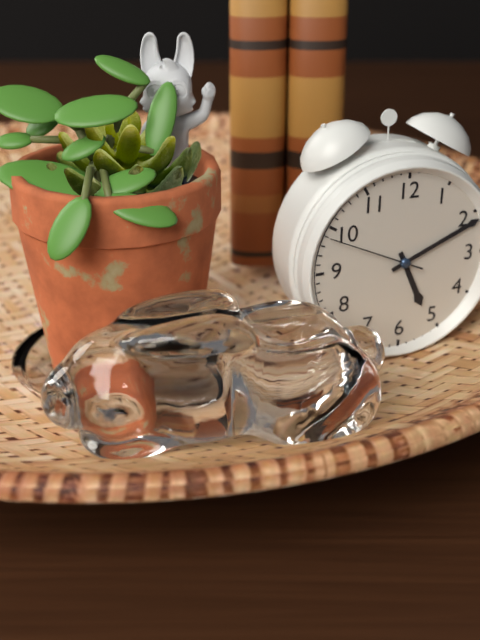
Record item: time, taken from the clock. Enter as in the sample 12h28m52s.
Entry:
5h11m49s
